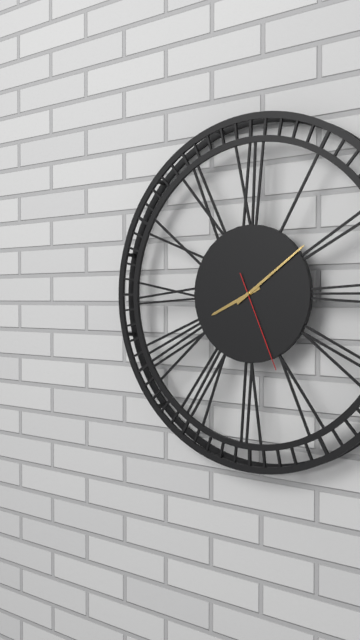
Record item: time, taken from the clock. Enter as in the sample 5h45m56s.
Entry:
8h09m26s
